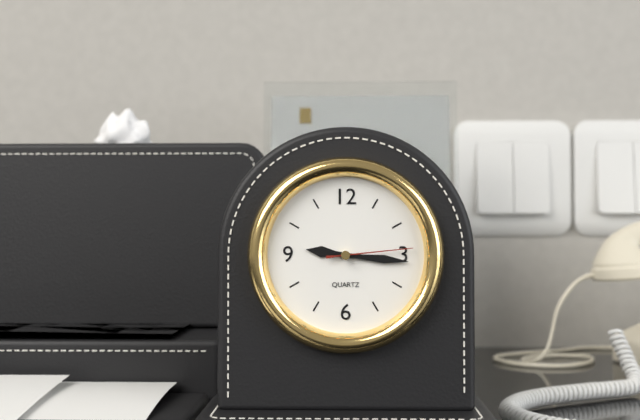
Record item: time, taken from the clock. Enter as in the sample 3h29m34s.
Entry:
9h16m14s
